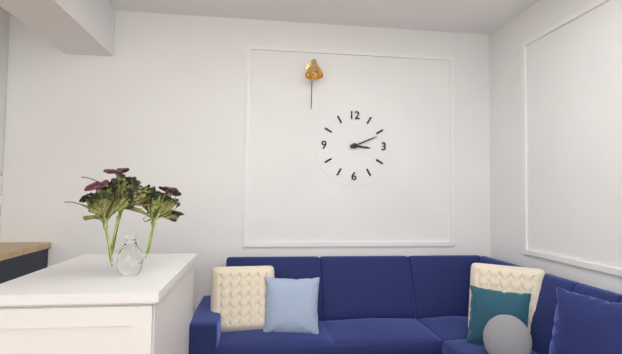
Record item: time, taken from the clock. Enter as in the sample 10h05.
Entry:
3h11
